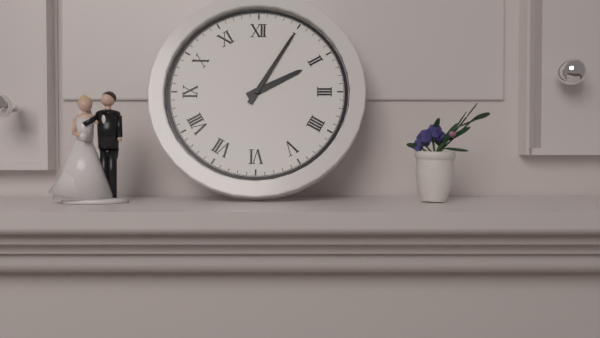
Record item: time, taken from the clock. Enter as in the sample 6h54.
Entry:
2h05
